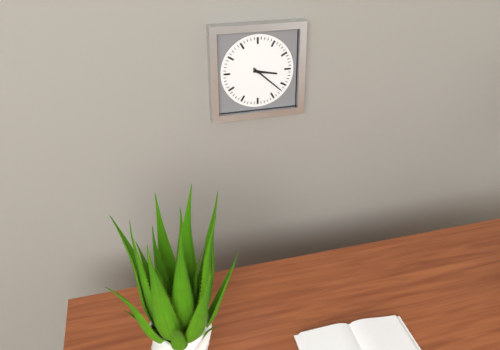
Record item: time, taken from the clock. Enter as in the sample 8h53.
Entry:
3h22
